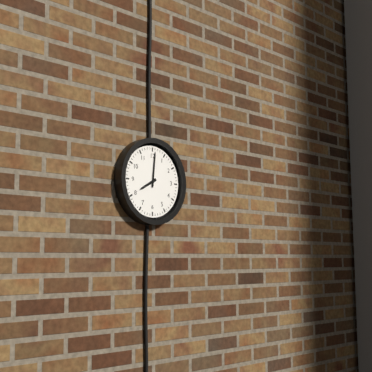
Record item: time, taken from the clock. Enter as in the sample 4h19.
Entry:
8h01
